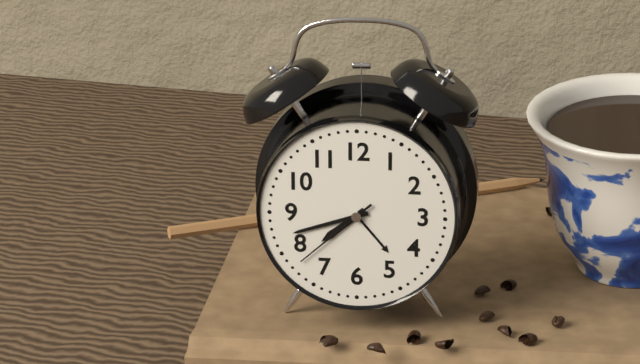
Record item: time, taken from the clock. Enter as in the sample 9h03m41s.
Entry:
7h42m38s
